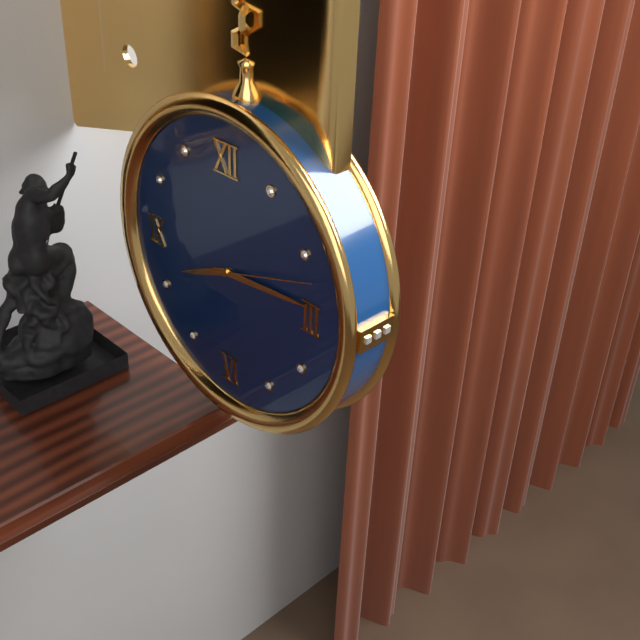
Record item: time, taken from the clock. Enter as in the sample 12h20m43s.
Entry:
8h14m12s
